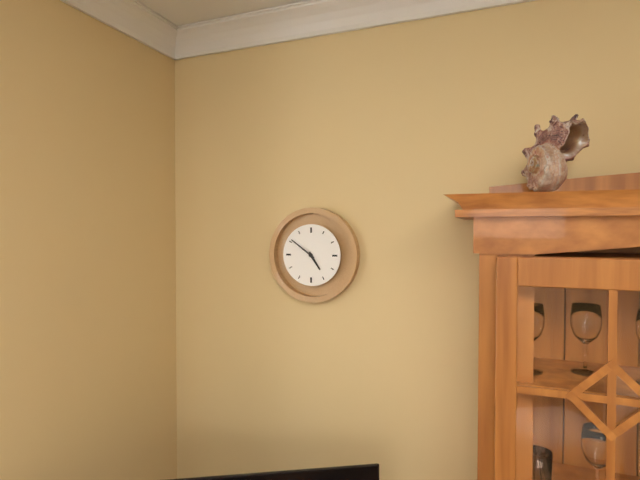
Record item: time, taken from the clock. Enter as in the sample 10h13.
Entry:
4h51
